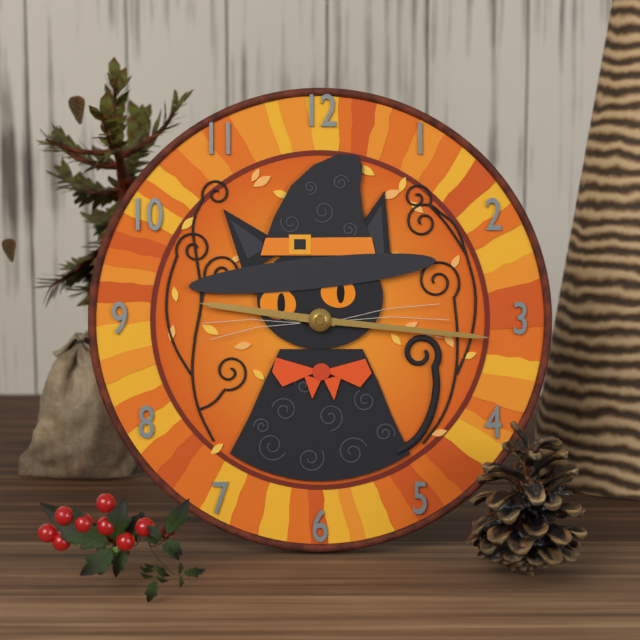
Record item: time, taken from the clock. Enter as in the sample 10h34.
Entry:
9h16
